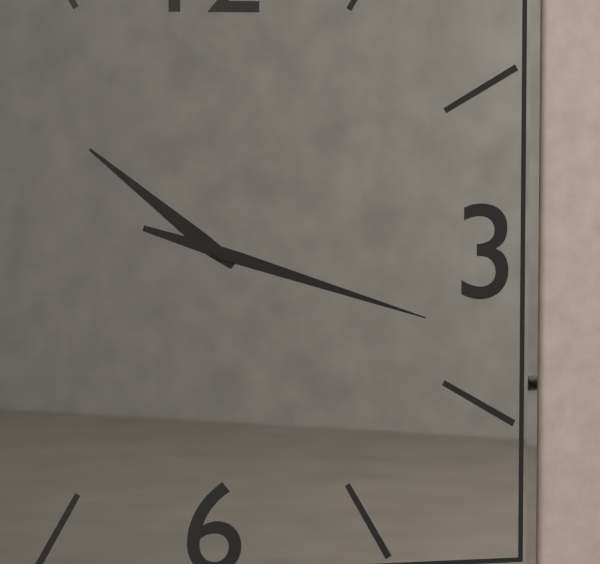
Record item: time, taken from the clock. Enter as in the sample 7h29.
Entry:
10h18
